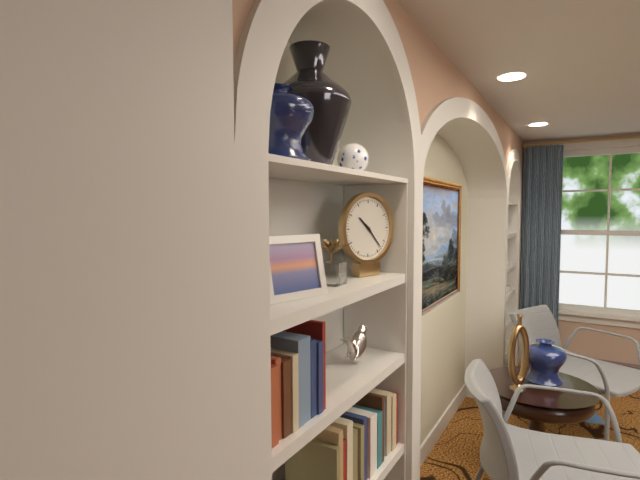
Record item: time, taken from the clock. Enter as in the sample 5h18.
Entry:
10h23
